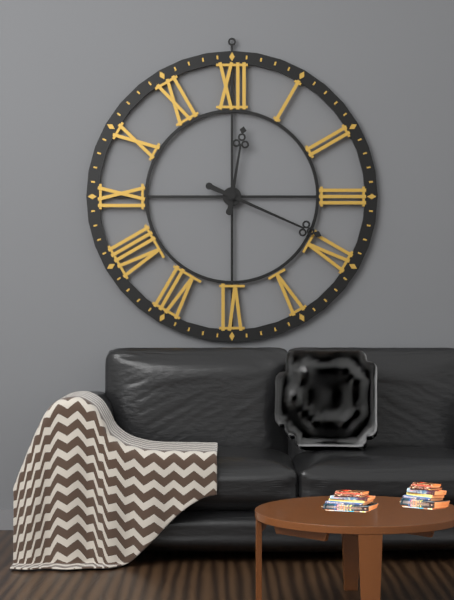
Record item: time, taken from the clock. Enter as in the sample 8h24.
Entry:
12h19
